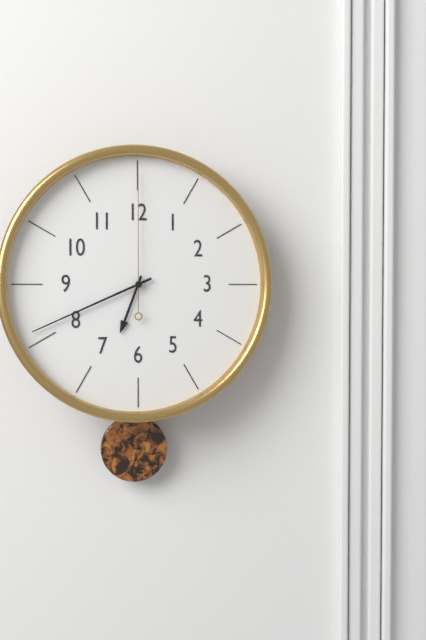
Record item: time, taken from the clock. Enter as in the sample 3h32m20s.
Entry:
6h41m00s
